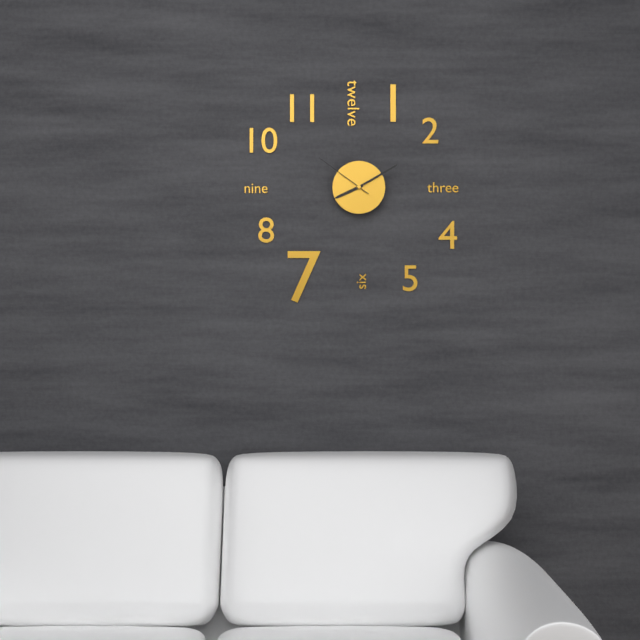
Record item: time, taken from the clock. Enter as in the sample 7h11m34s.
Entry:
8h10m51s
